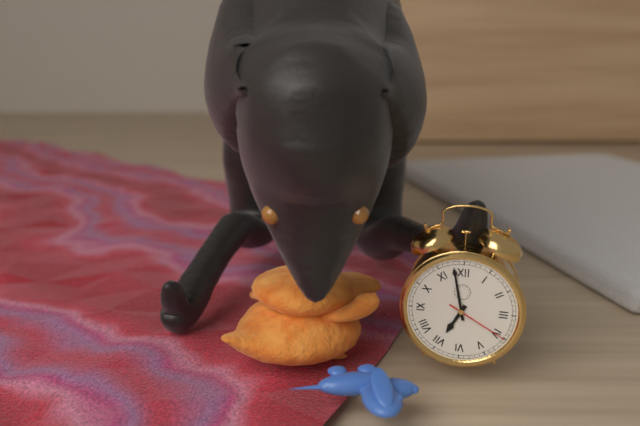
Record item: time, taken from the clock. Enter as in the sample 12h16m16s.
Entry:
6h58m20s
